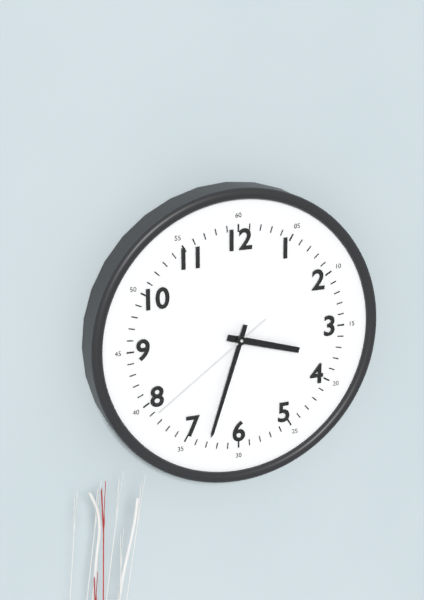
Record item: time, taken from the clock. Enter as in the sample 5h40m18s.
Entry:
3h33m39s
